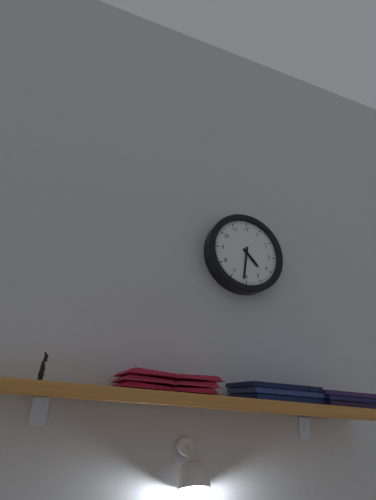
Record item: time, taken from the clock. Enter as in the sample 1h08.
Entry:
4h31
